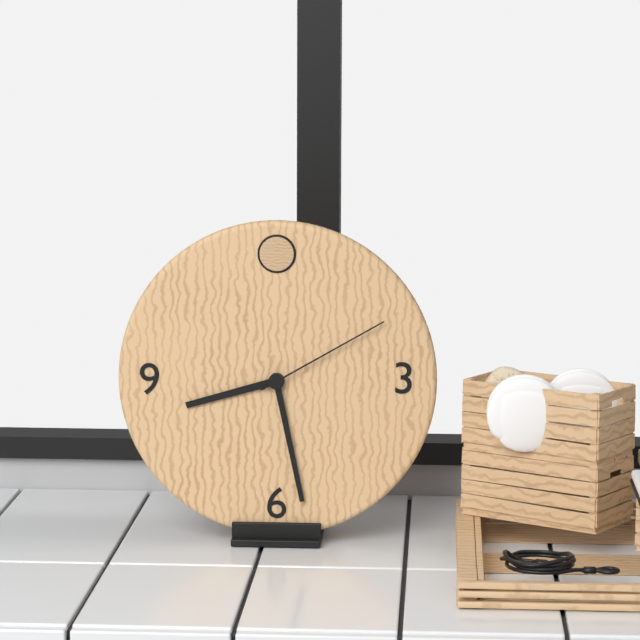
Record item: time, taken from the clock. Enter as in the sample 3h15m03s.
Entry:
8h28m10s
